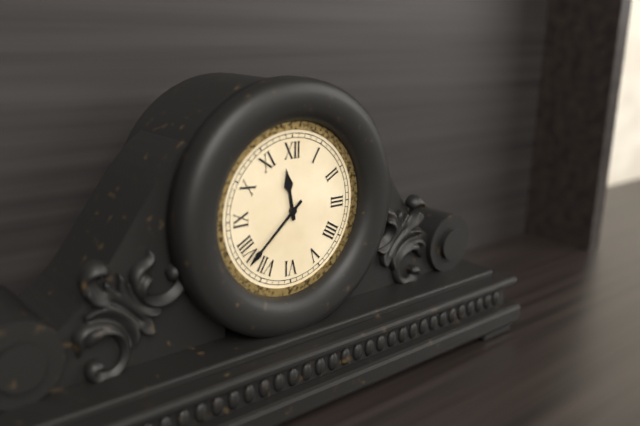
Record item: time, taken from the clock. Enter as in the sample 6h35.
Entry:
11h38
